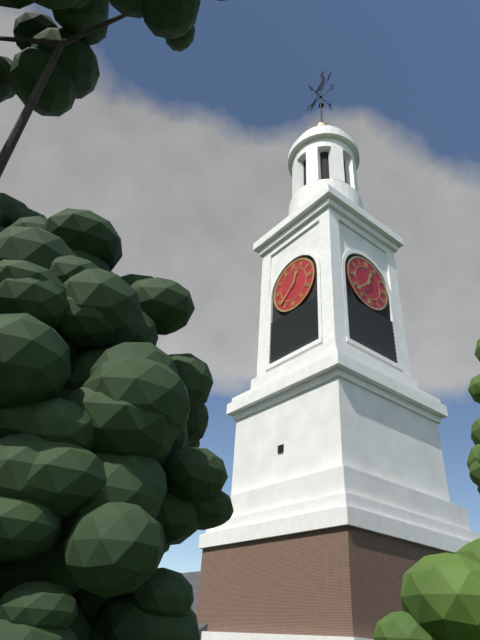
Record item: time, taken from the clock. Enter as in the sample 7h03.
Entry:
12h38
